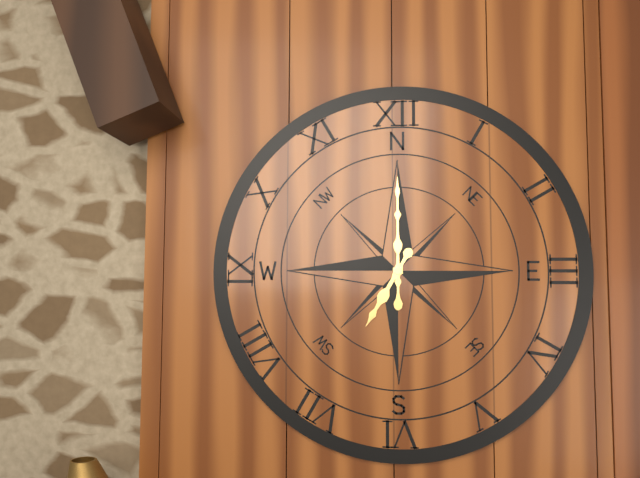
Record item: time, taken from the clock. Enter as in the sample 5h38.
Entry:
7h00
